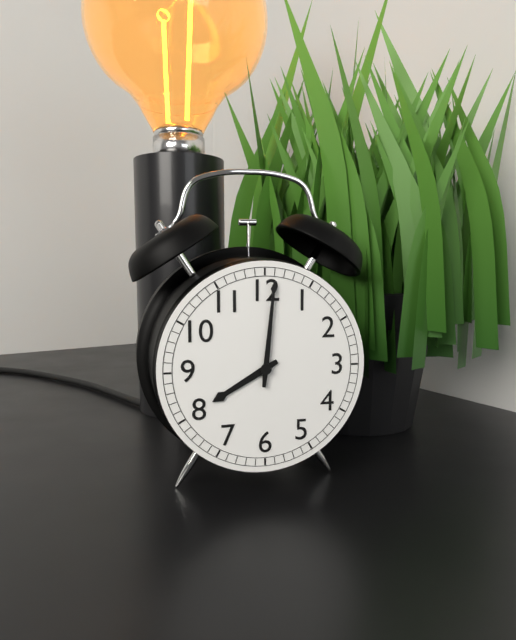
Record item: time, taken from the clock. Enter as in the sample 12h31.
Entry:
8h01
